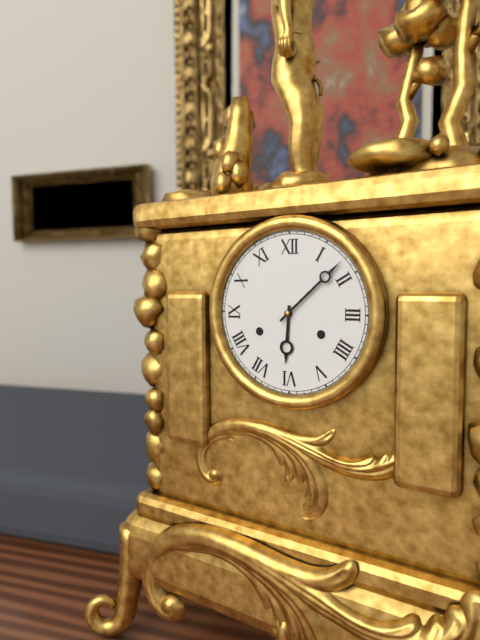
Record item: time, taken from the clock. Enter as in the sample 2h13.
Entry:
6h08
